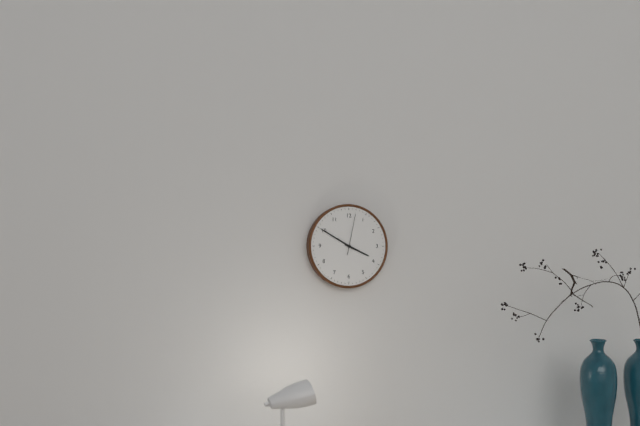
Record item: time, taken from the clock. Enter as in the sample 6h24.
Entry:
3h50
